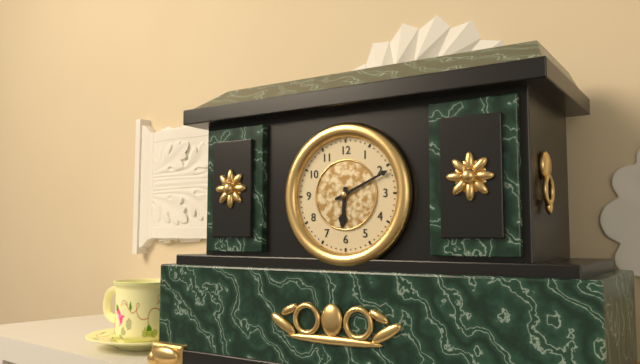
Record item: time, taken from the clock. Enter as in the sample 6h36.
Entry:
6h11
